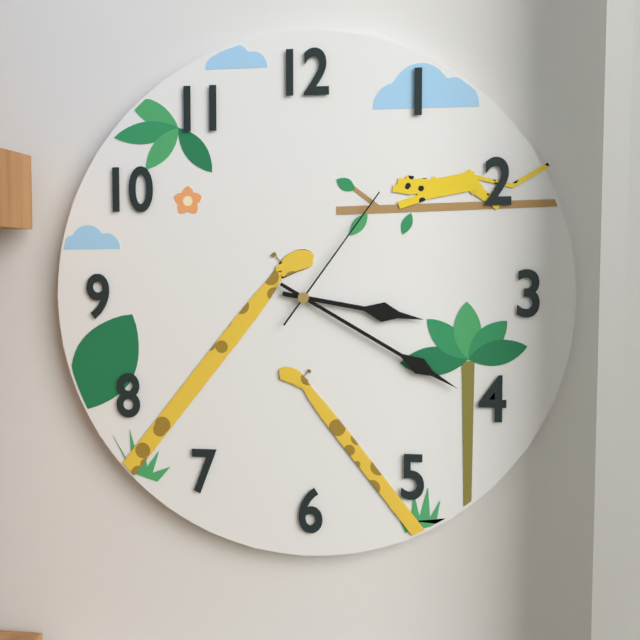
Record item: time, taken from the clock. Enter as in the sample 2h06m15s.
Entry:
3h20m06s
